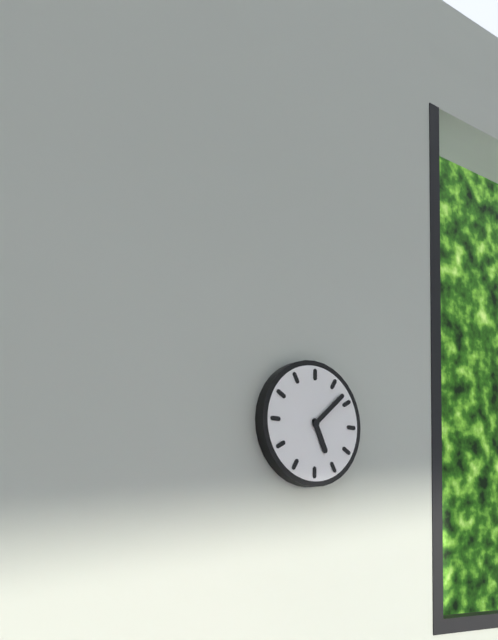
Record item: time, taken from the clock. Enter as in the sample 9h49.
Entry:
5h08
